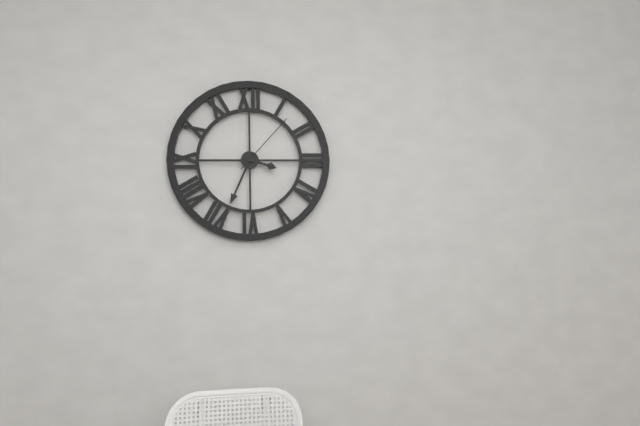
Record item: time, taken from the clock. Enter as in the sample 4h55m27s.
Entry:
3h34m07s
